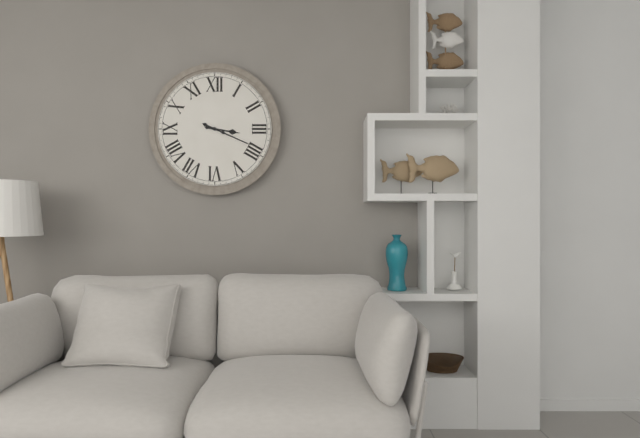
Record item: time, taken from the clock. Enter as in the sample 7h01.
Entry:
3h19
